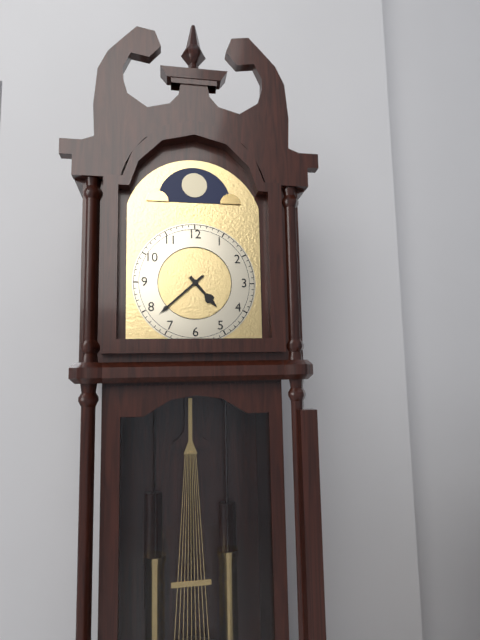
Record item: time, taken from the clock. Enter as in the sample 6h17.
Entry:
4h38
